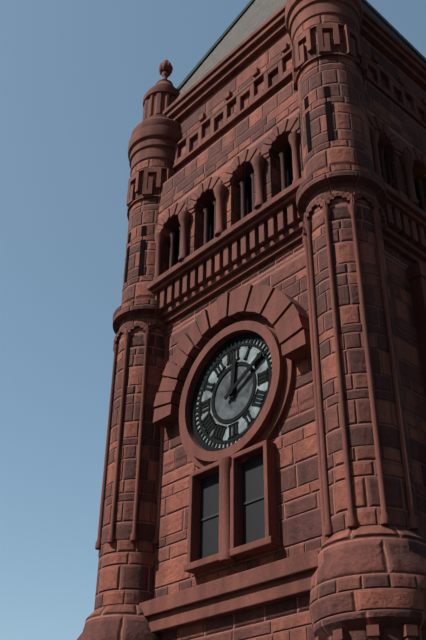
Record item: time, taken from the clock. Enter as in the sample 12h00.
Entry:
12h10
